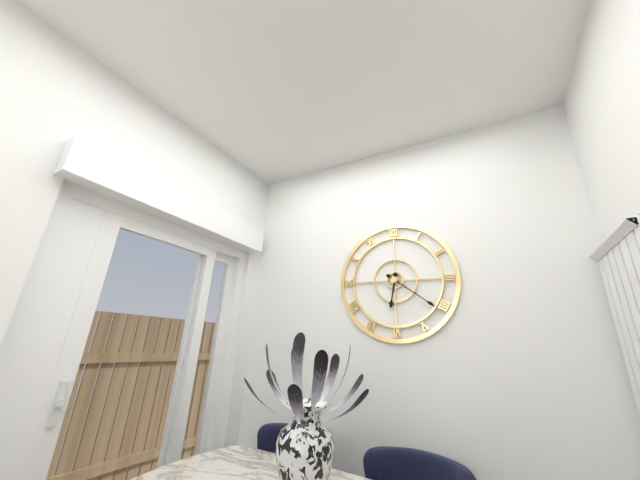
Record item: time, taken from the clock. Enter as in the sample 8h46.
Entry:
6h21
